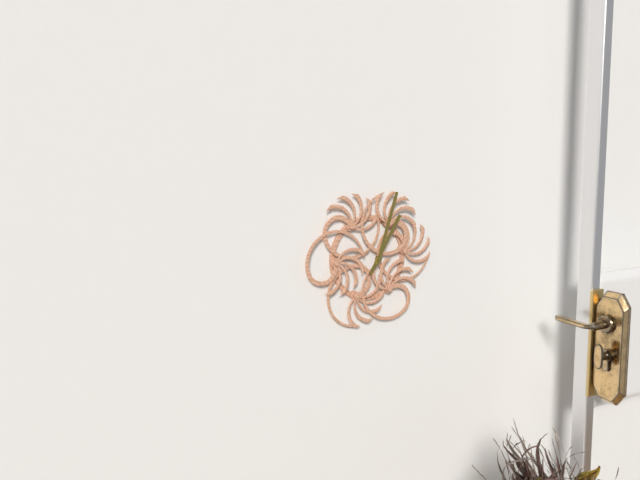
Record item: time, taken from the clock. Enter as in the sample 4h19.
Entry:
1h03
